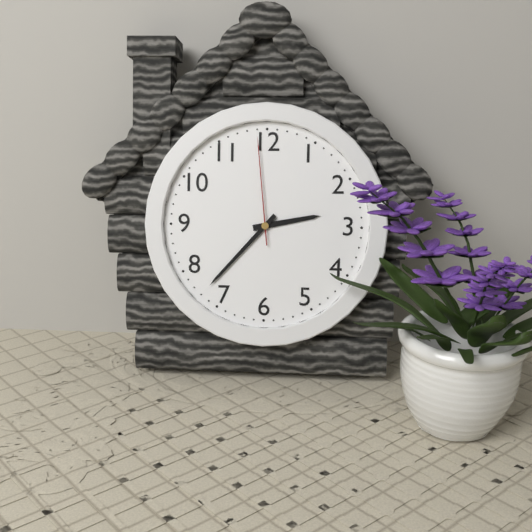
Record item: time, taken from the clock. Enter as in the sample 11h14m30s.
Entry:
2h37m59s
